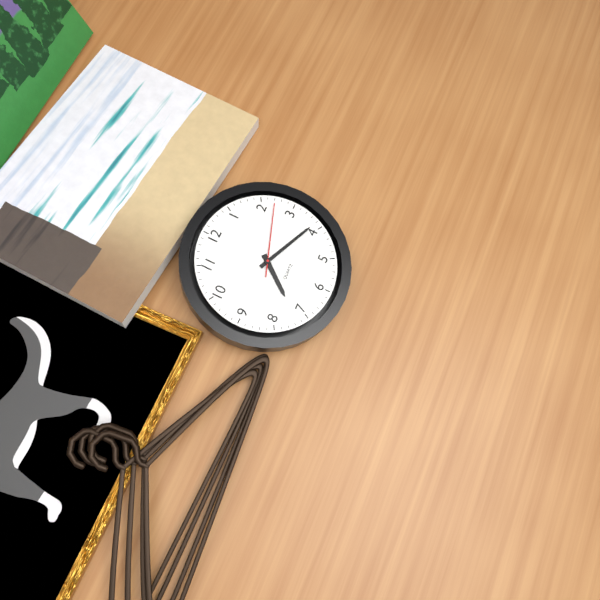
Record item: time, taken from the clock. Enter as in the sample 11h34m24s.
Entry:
7h19m12s
